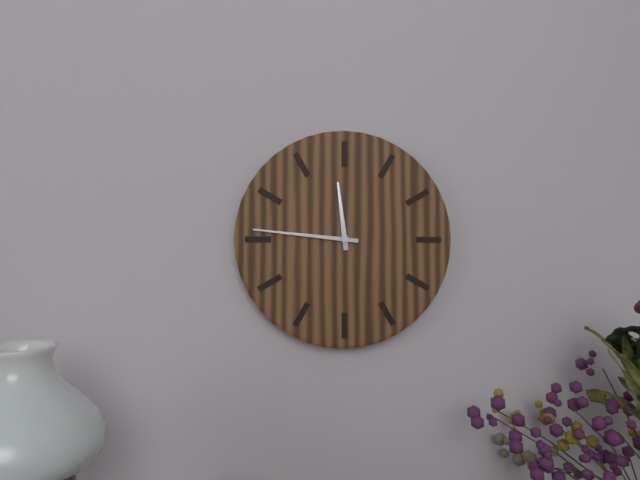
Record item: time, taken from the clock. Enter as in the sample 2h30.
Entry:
11h46
